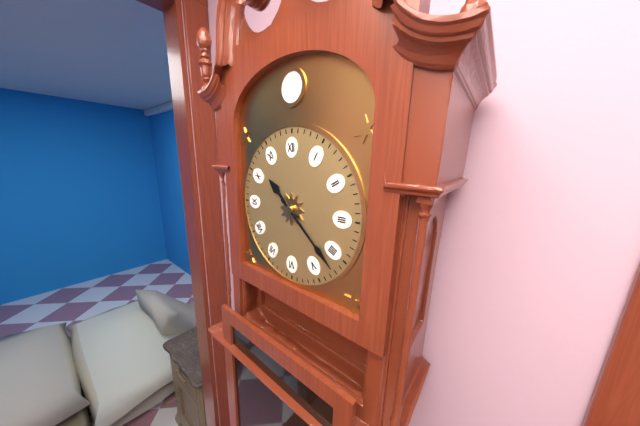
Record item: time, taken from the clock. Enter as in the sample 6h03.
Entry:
10h22
